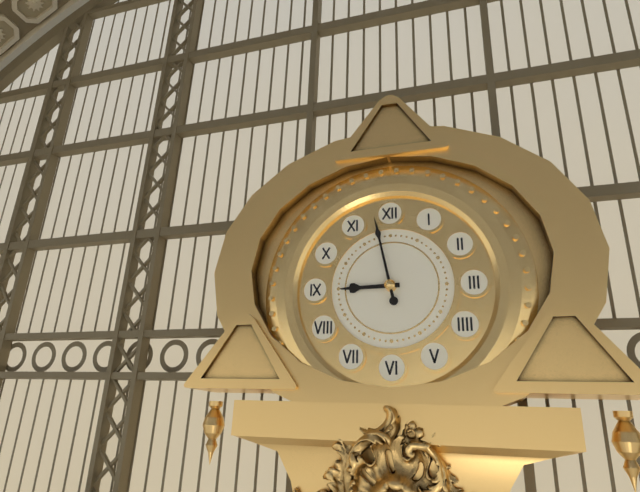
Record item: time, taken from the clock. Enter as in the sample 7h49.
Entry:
8h58
